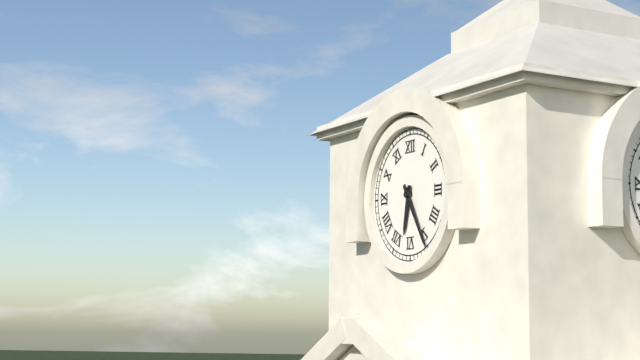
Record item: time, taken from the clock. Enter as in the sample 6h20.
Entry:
6h25
